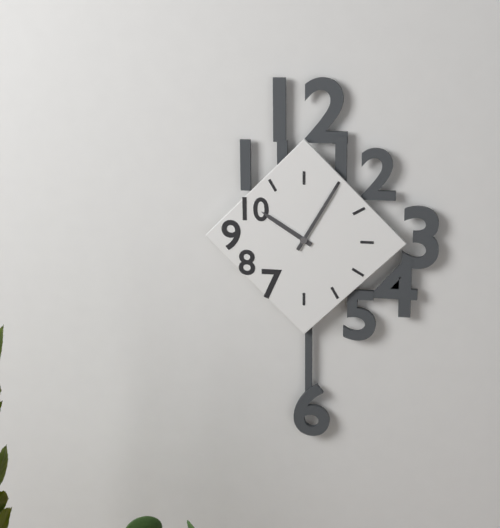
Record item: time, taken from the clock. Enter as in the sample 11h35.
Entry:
10h05
